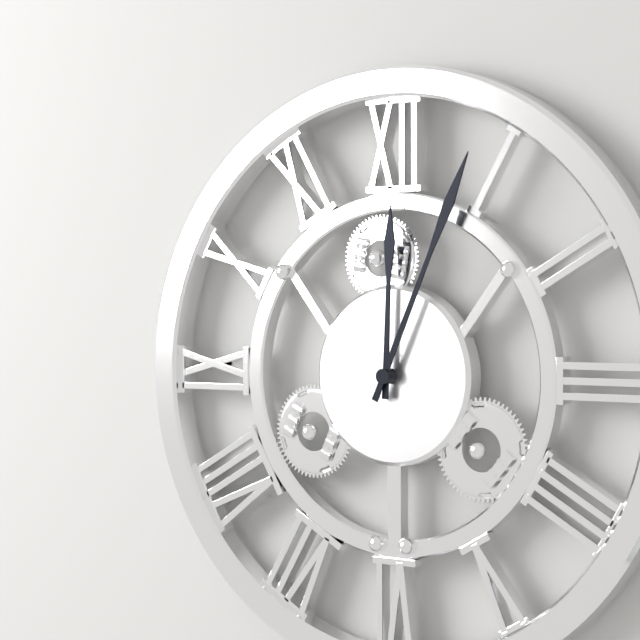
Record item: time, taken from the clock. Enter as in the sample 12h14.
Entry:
12h04
